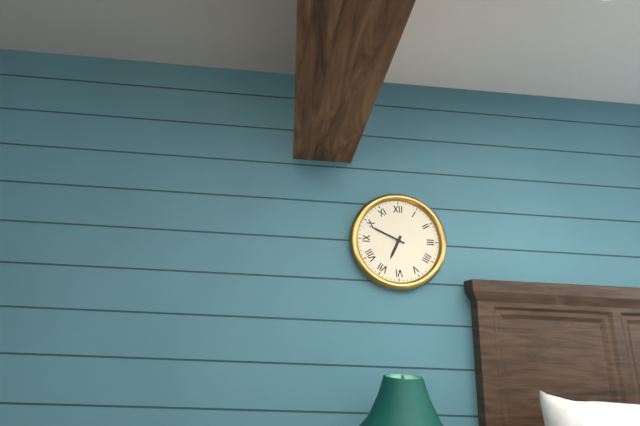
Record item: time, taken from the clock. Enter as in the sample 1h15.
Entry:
6h49
